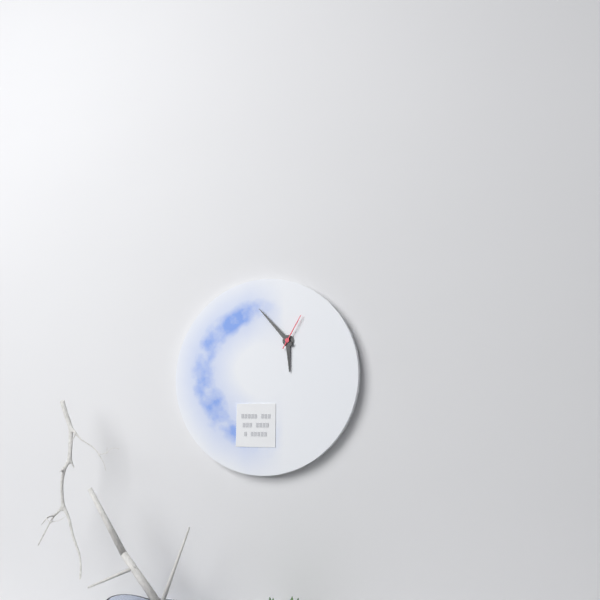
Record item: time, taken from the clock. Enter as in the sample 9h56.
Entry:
5h53
